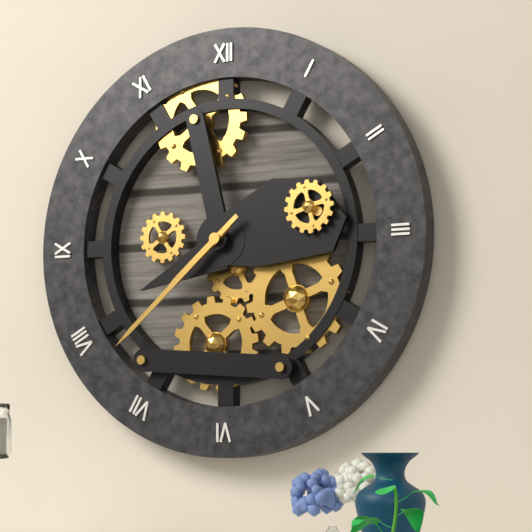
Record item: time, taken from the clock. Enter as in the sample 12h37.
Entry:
7h38
